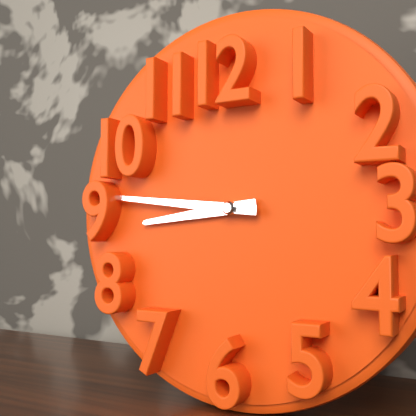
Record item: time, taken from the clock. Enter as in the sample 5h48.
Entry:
8h46
